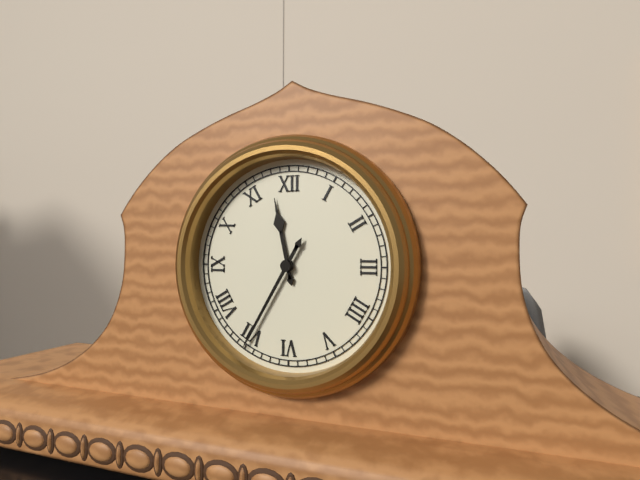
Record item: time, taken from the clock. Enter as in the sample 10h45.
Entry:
11h35
